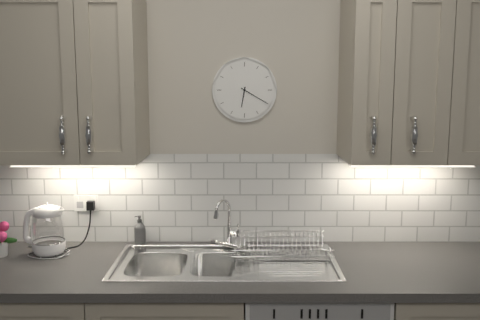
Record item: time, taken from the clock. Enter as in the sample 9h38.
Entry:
6h20
